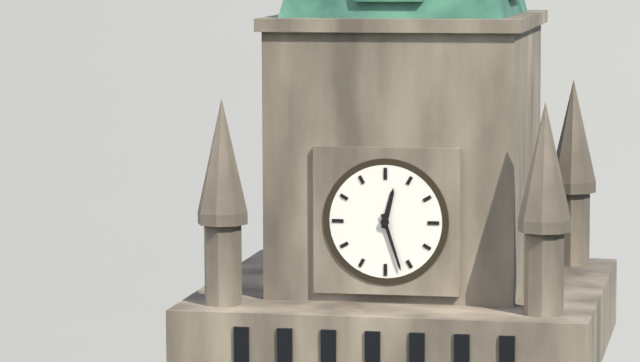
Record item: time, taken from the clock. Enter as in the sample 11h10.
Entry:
12h27
